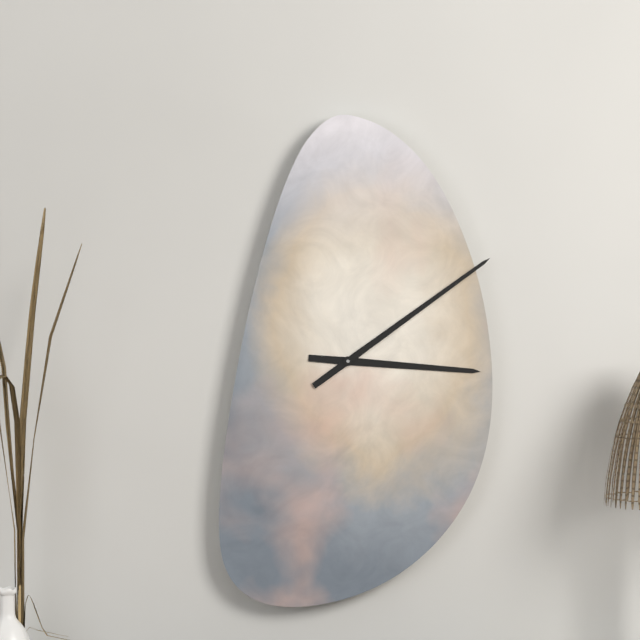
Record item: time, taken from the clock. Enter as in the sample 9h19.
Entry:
3h09
